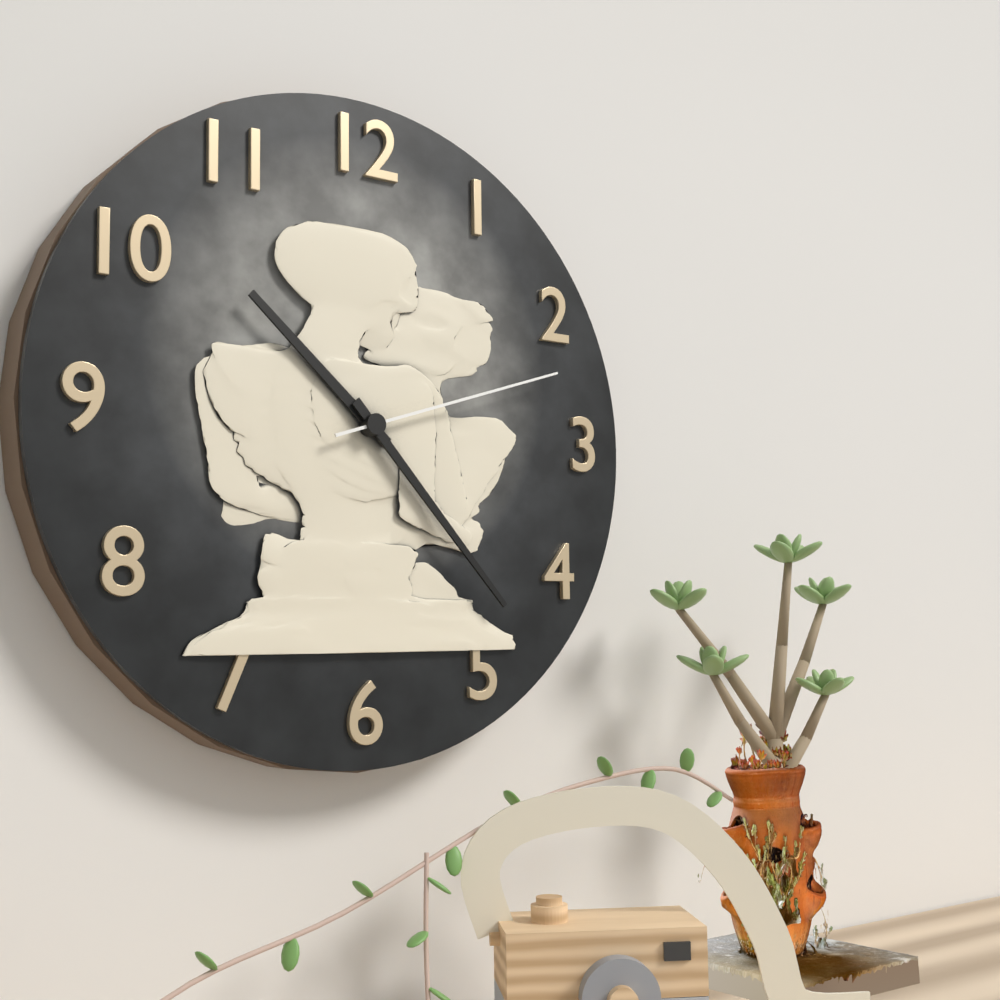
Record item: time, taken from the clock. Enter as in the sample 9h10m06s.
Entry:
10h23m12s
